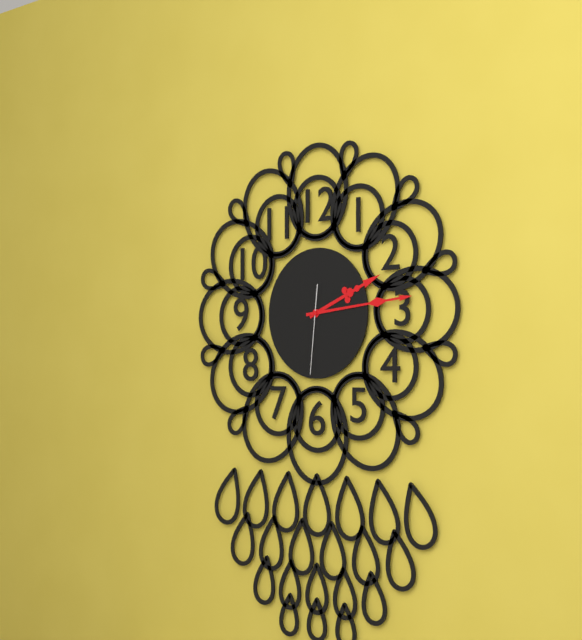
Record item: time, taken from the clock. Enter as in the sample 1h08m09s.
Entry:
2h14m31s
